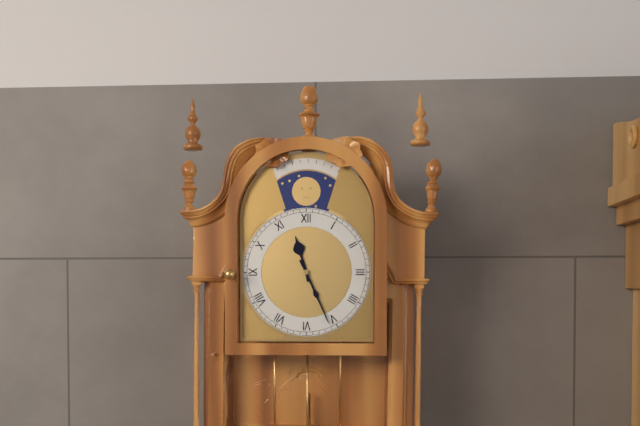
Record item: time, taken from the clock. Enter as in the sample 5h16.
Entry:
11h26
